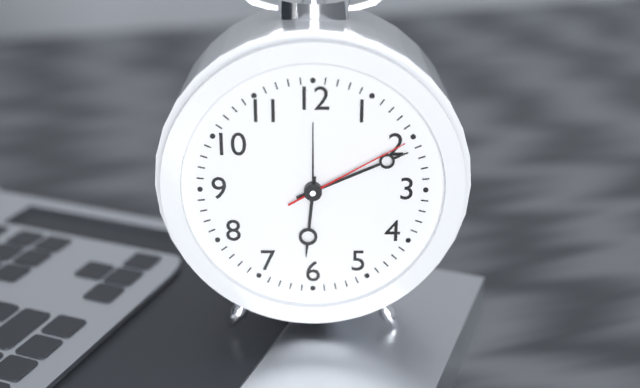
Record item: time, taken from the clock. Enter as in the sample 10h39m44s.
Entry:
6h11m10s
